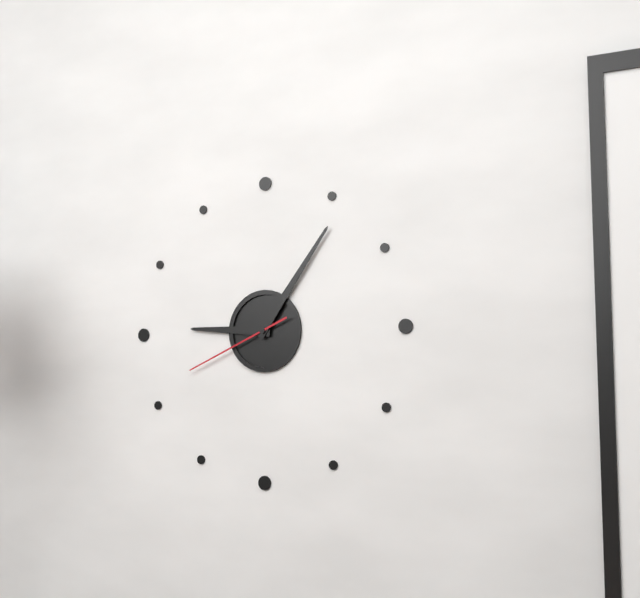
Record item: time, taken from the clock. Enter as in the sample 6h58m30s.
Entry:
9h06m41s
